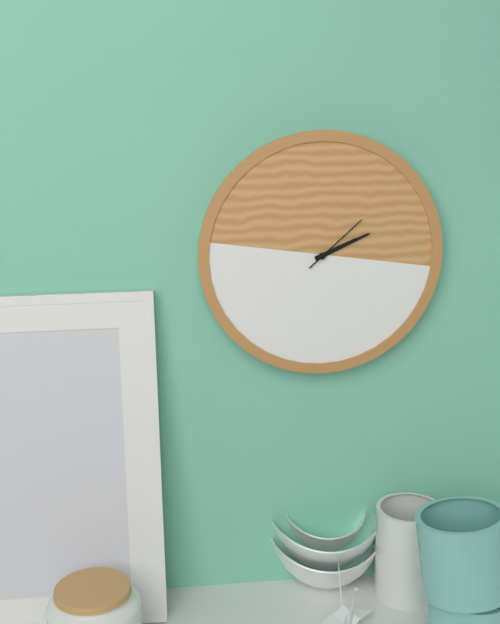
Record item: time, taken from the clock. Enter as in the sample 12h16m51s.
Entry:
2h11m08s
